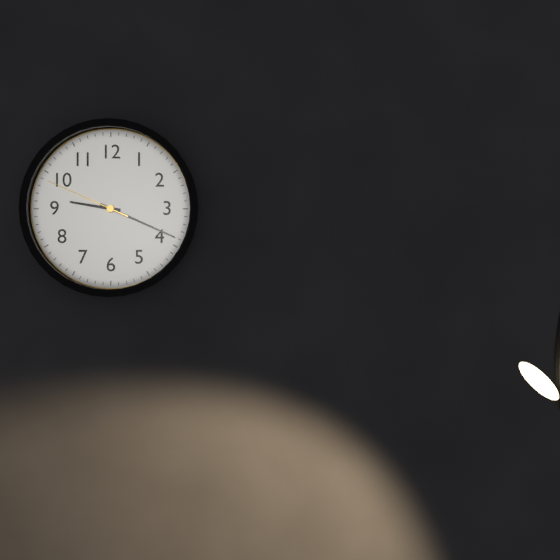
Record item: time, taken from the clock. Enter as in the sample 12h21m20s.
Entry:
9h19m49s
